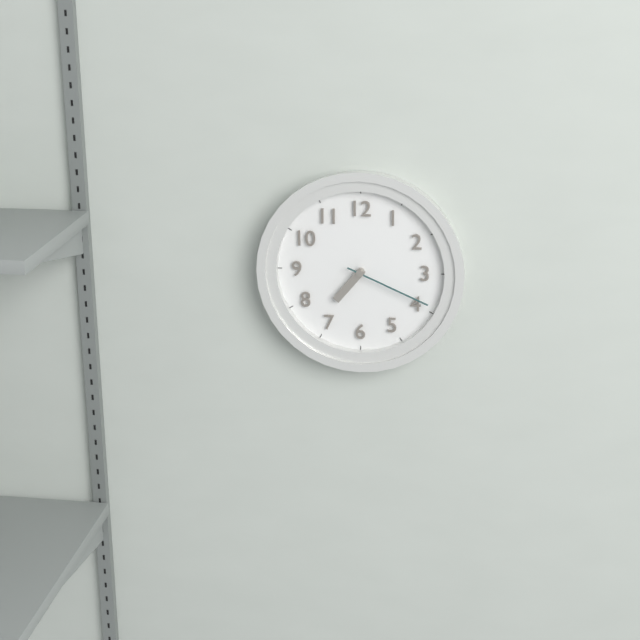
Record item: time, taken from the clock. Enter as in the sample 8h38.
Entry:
7h19
